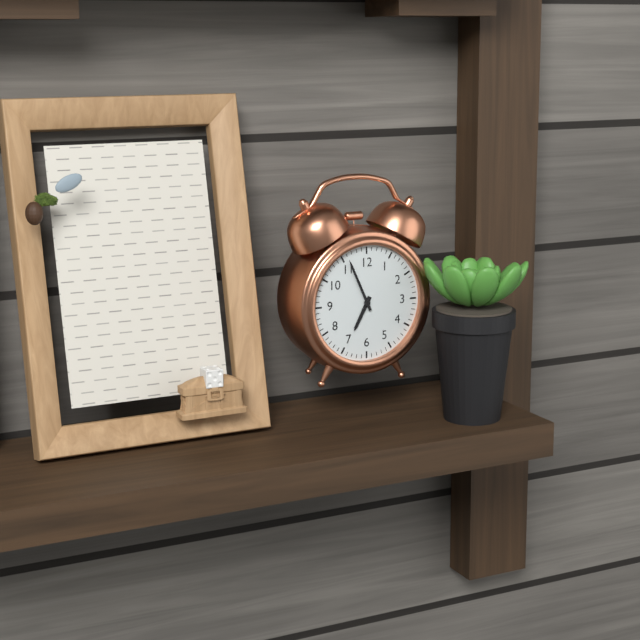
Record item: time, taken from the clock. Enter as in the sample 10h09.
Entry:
6h56
